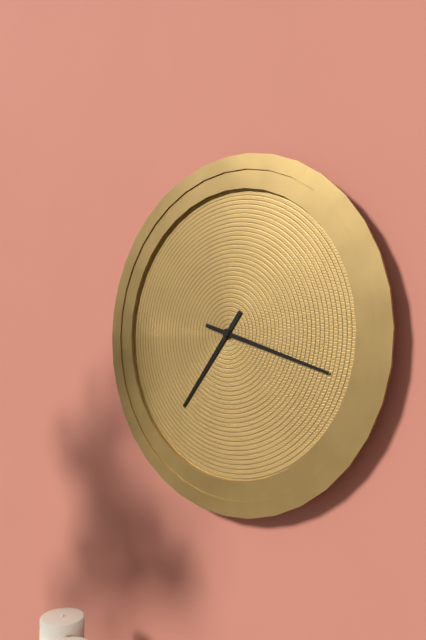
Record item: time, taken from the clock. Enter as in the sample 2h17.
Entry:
7h18
